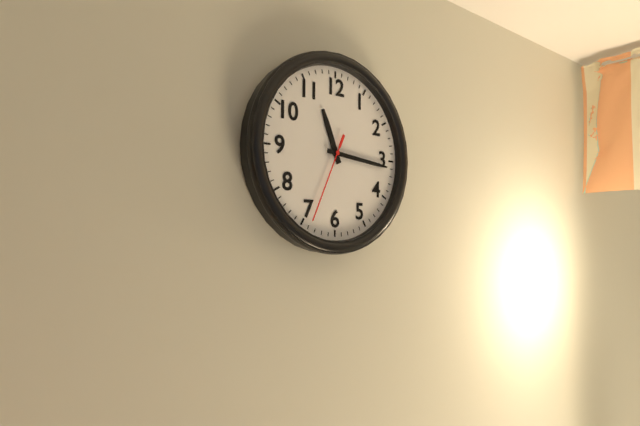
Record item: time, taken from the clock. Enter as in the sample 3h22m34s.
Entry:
11h16m34s
